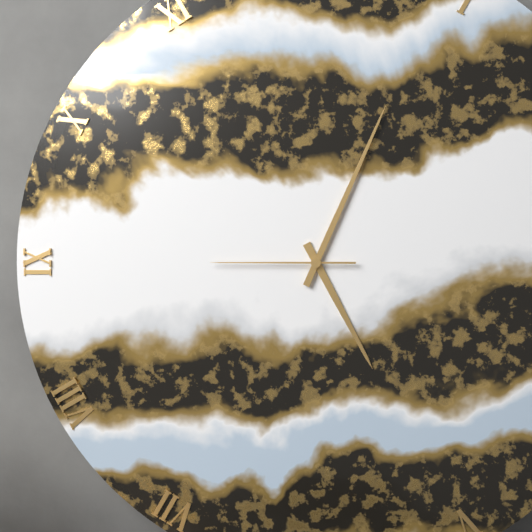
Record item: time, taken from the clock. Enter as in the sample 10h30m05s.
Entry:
5h04m45s
